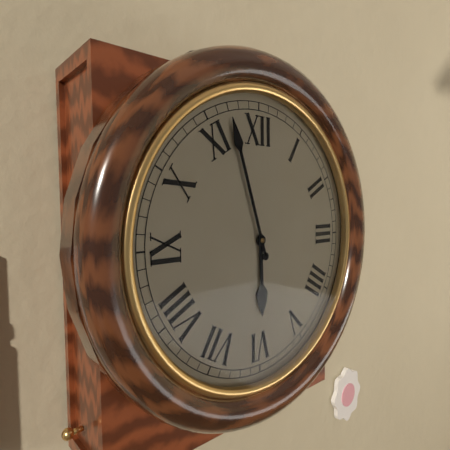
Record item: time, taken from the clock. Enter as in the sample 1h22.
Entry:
5h57
